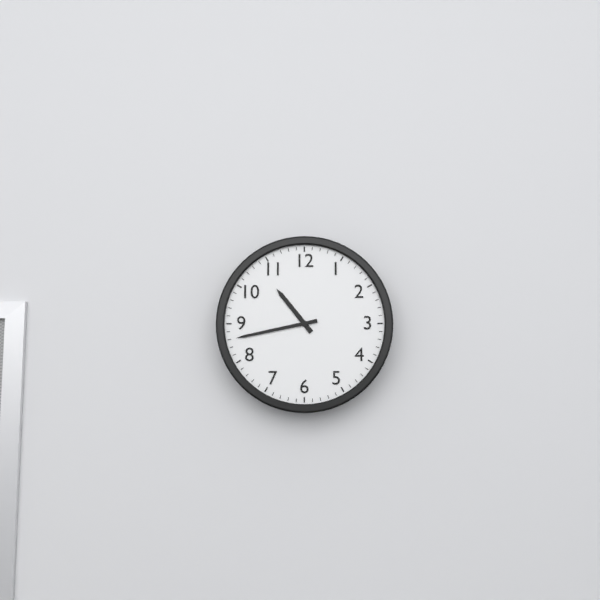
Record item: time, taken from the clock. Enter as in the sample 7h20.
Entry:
10h43
